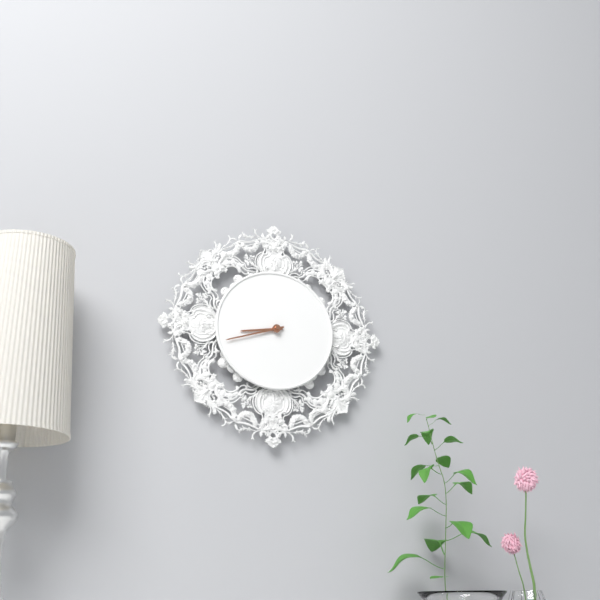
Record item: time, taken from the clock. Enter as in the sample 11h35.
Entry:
8h42
